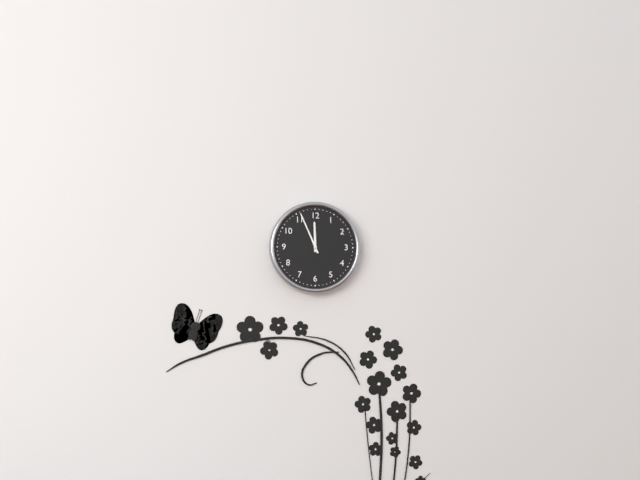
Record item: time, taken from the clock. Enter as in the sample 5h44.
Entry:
11h56
